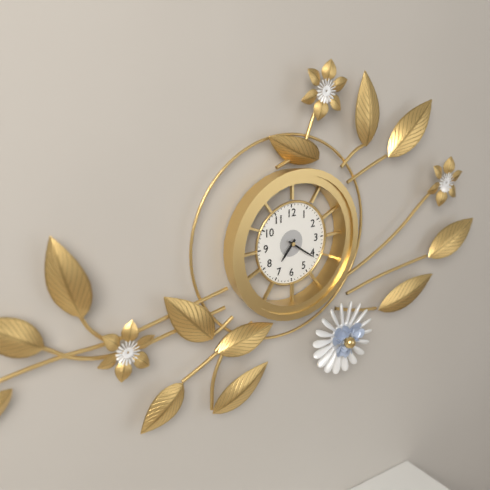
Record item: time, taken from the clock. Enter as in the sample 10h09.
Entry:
7h21
